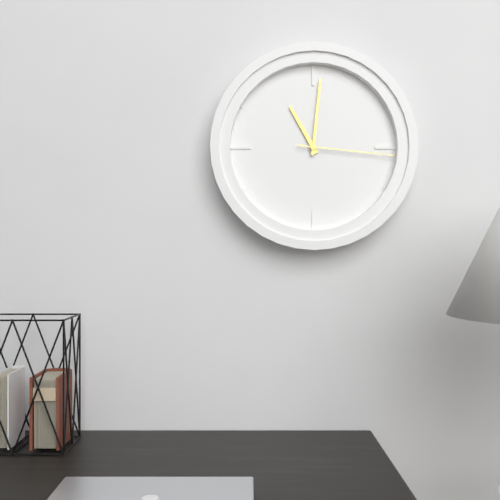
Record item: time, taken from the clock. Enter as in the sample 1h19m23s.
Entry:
11h01m16s
